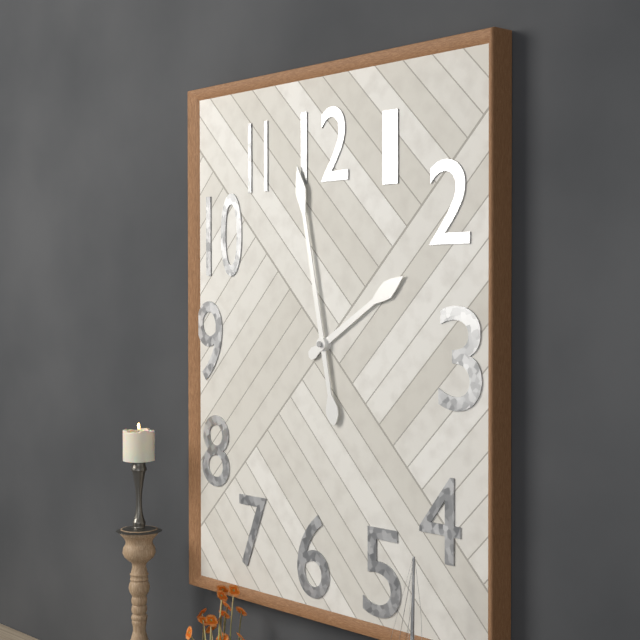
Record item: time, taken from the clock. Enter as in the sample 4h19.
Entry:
1h58
